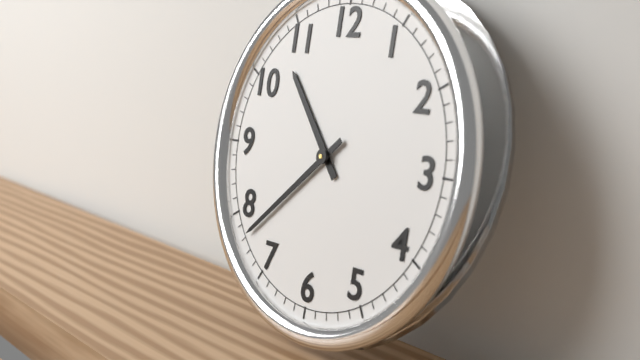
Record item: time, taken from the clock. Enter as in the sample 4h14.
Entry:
10h38
